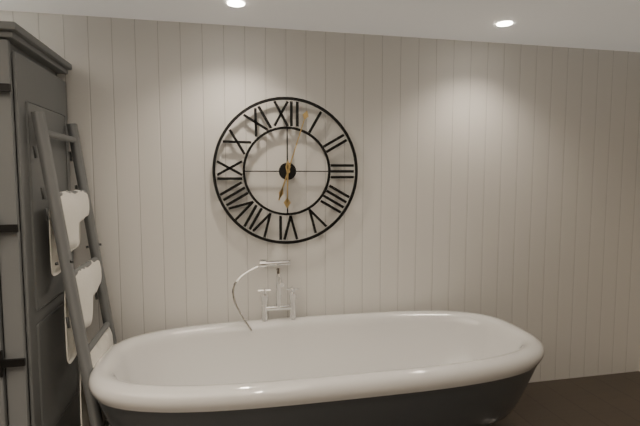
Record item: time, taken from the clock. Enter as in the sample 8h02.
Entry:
6h03
